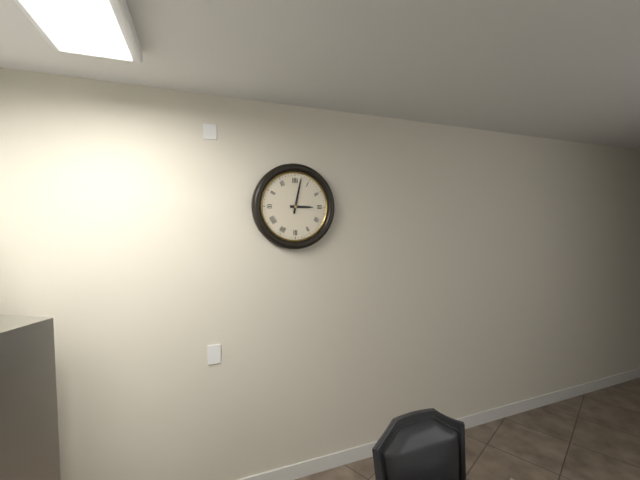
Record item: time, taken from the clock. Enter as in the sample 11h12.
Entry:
3h02
